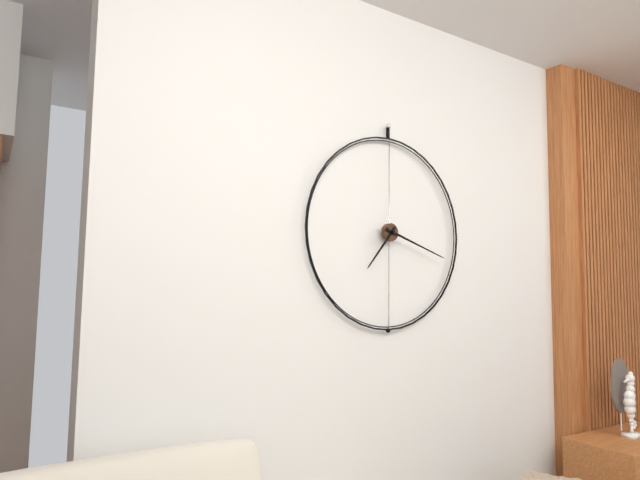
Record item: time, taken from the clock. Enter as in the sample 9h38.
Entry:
7h18
